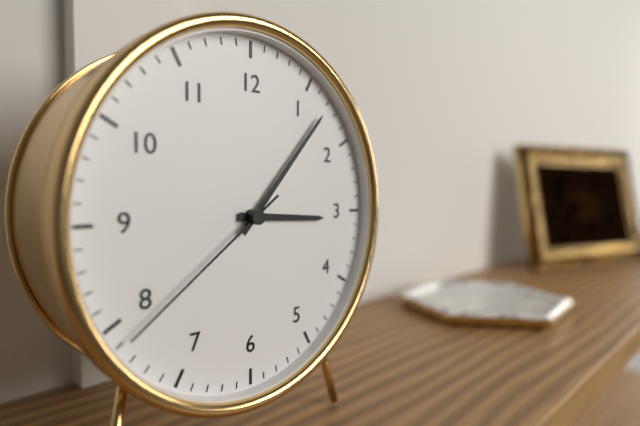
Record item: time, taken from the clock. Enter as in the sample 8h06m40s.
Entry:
3h07m39s
